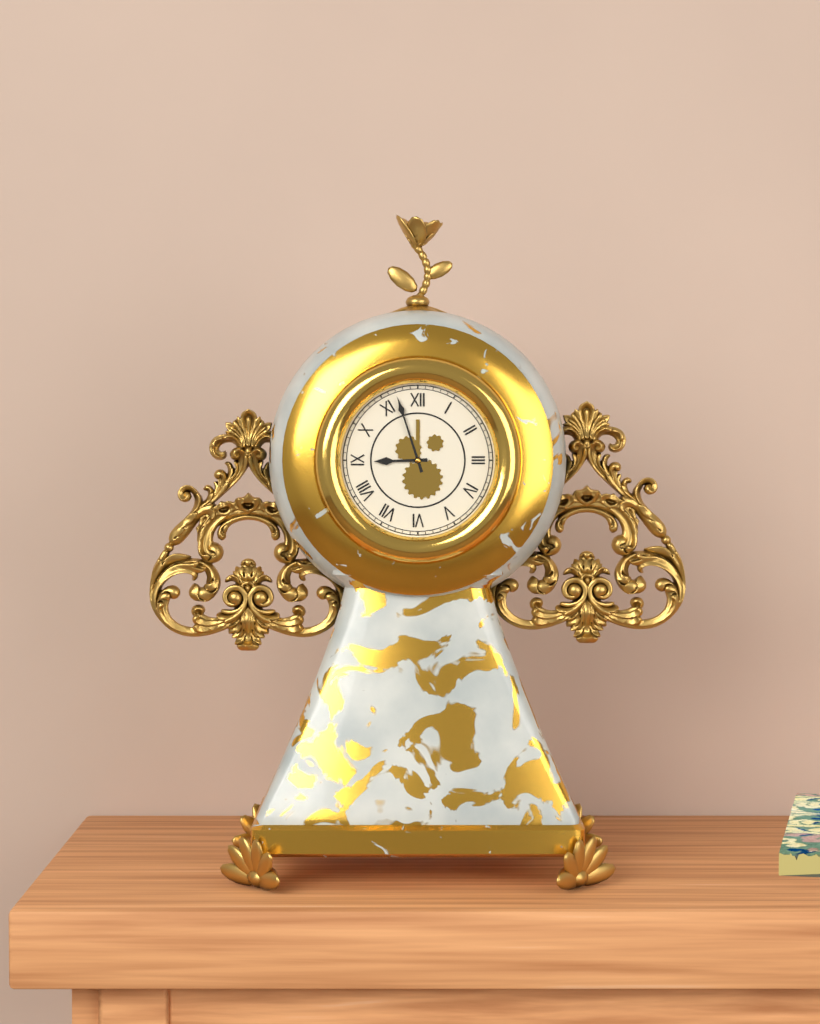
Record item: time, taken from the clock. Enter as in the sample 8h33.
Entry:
8h57
